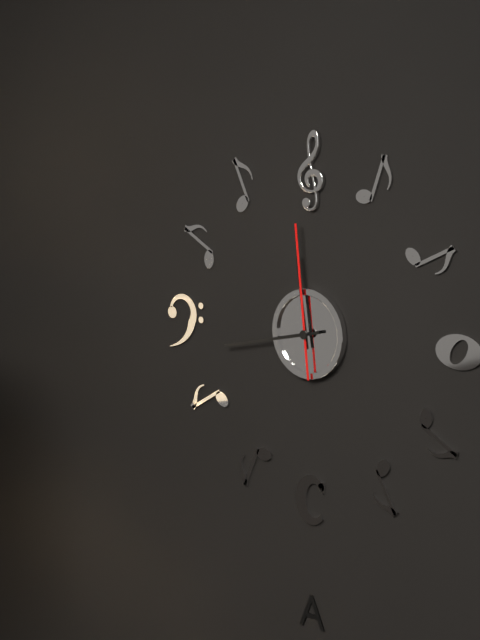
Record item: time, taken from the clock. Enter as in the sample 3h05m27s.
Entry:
11h43m59s
